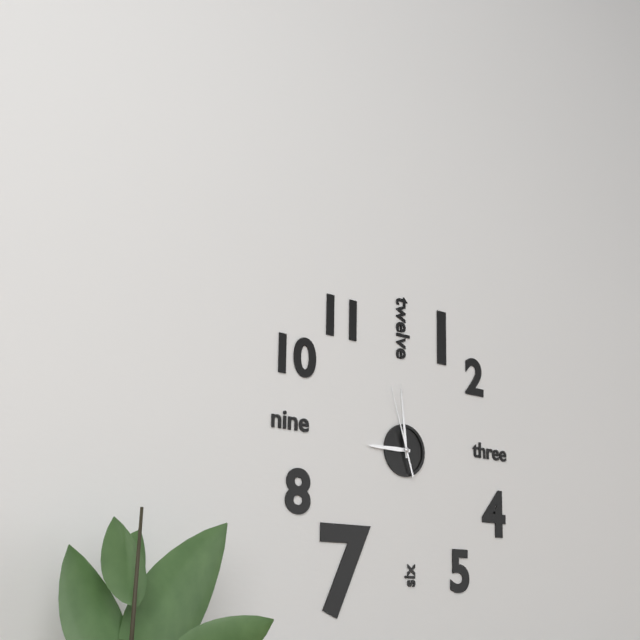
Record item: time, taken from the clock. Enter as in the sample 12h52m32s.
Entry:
8h59m57s
